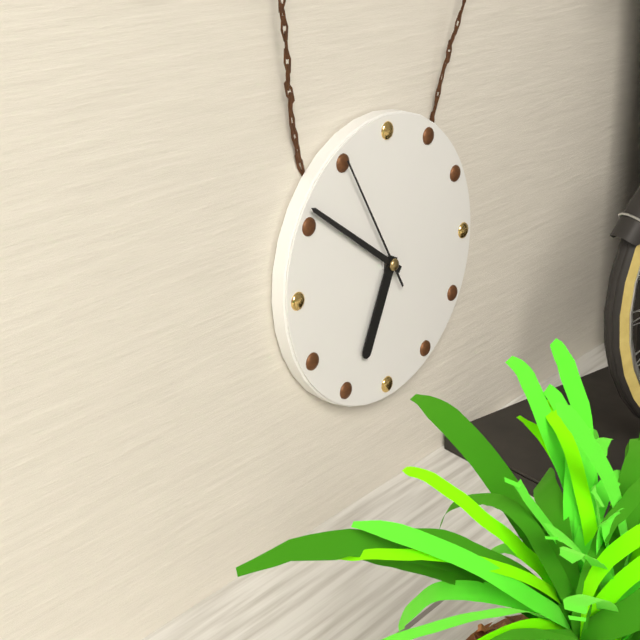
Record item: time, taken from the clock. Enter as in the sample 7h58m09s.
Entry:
6h51m55s
